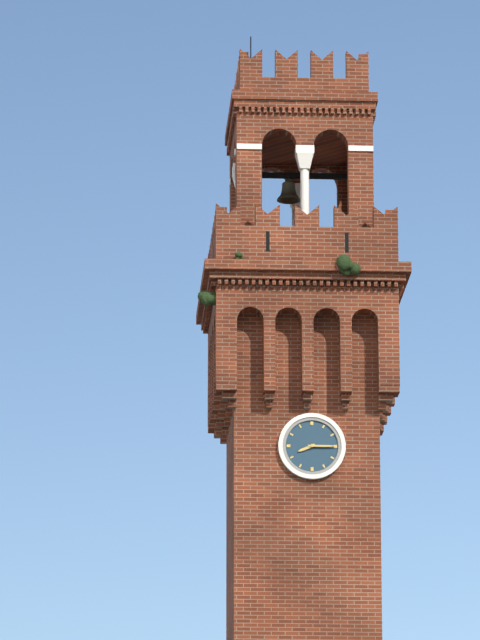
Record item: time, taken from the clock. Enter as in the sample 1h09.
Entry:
8h15
